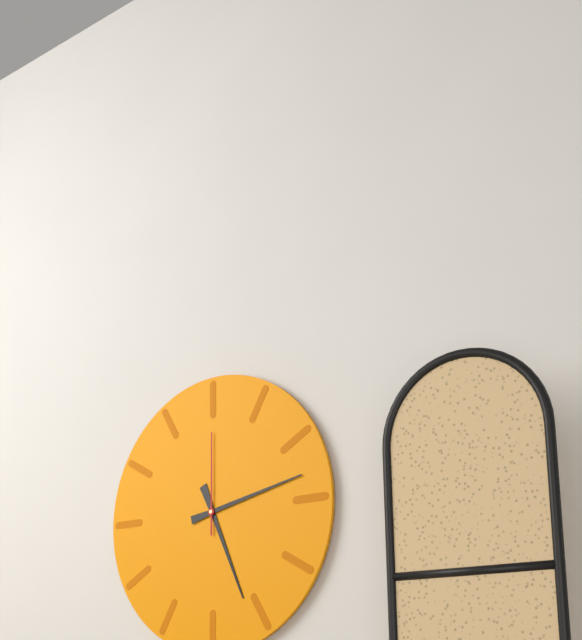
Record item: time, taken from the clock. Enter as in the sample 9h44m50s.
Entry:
5h13m00s
